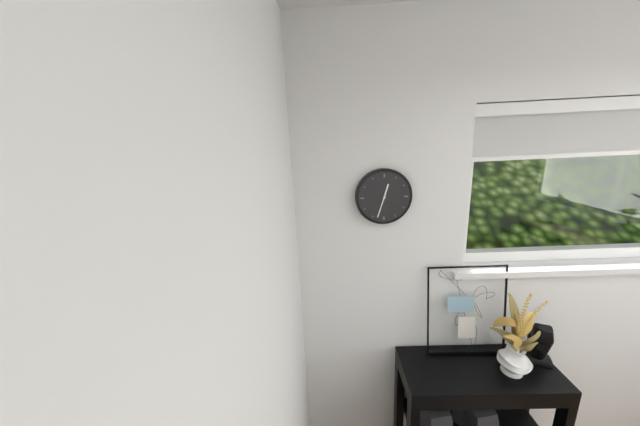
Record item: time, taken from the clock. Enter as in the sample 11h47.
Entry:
12h33
